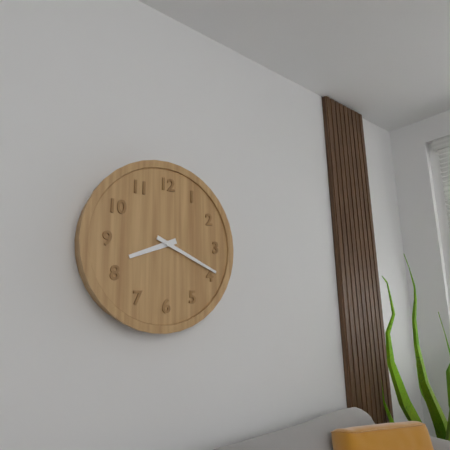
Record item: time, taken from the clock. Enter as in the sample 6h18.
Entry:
8h19
